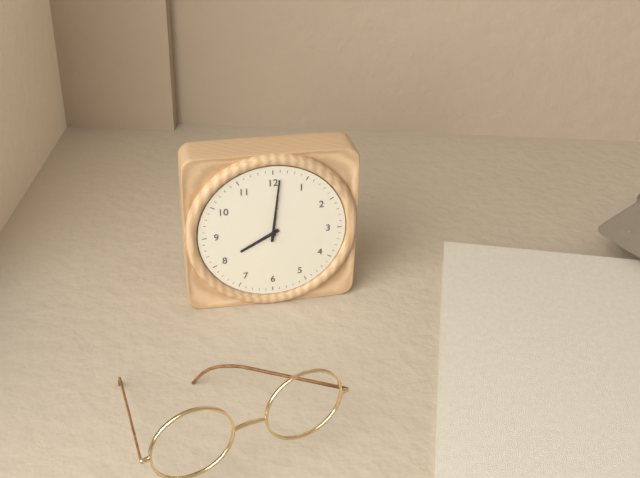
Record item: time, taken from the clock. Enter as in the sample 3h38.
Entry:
8h01
